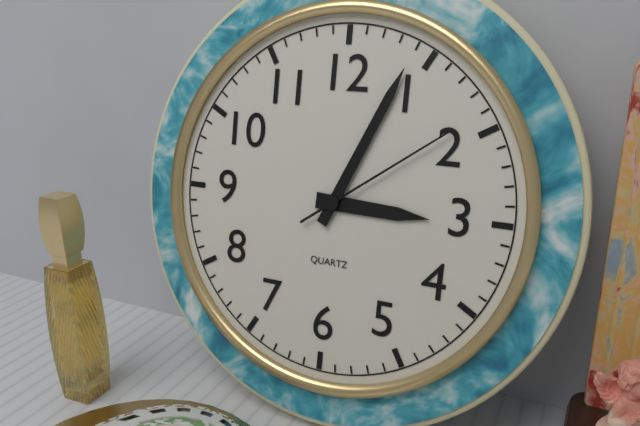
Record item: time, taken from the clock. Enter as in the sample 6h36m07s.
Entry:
3h04m09s
